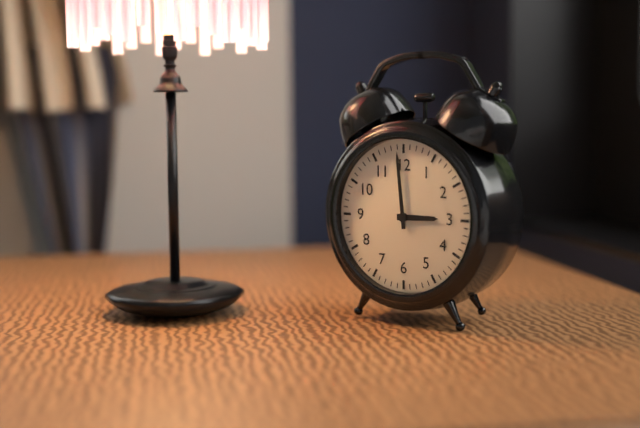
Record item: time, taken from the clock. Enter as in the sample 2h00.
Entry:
2h59
